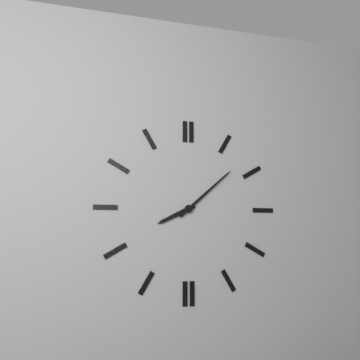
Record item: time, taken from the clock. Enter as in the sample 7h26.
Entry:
8h08
